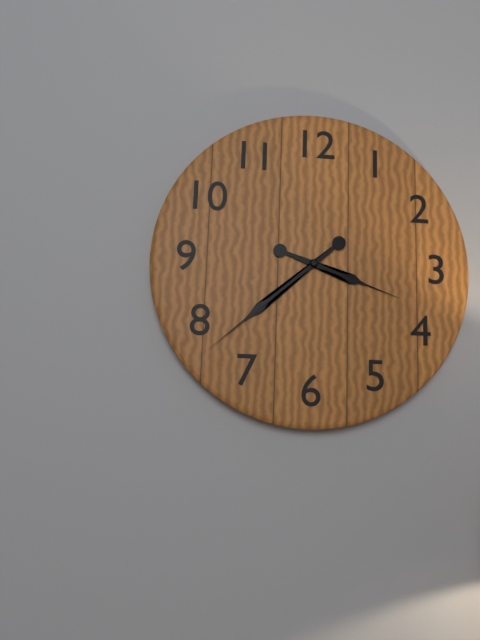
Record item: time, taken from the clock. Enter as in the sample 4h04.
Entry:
3h38
